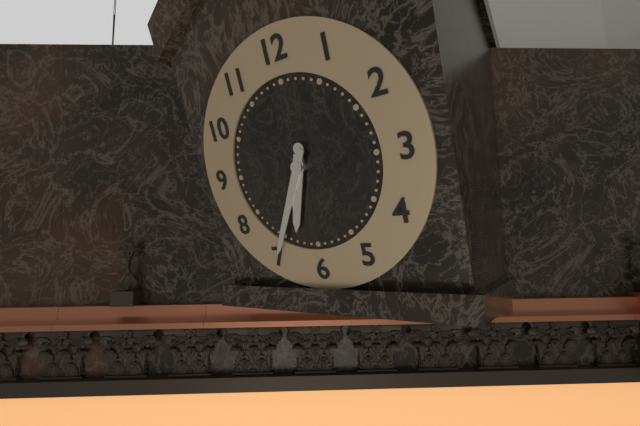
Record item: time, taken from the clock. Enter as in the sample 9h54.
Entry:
6h35
